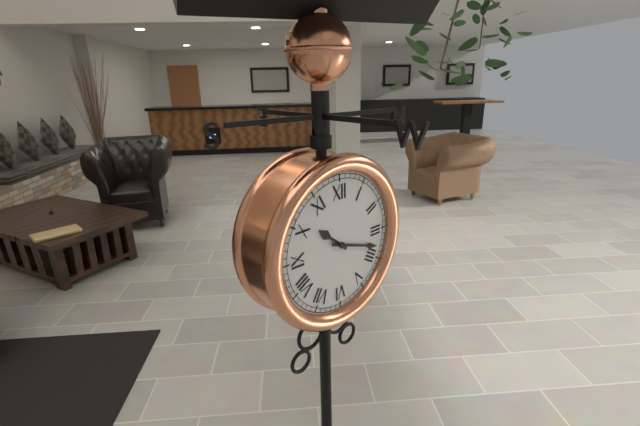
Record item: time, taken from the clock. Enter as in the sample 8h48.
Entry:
10h18
